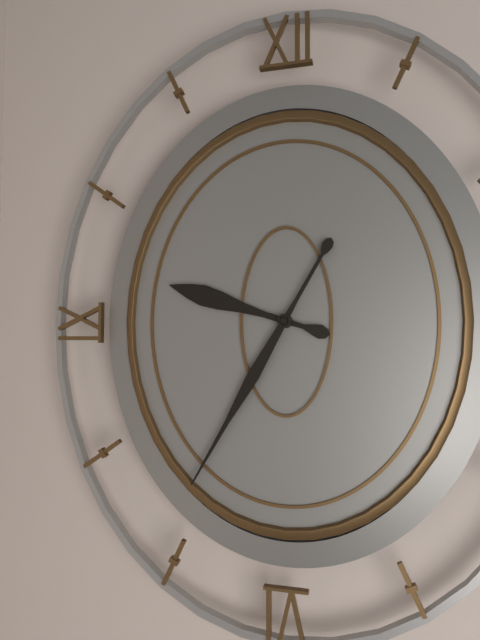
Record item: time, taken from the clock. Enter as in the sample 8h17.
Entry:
9h35
